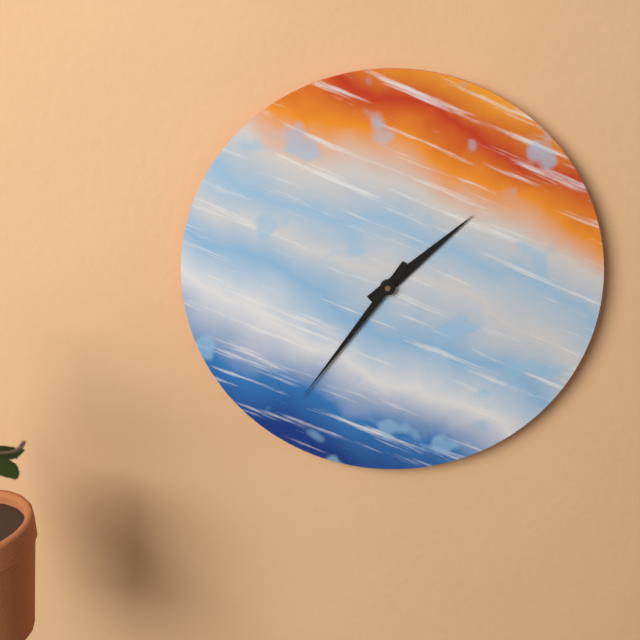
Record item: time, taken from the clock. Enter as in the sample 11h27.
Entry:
1h36
